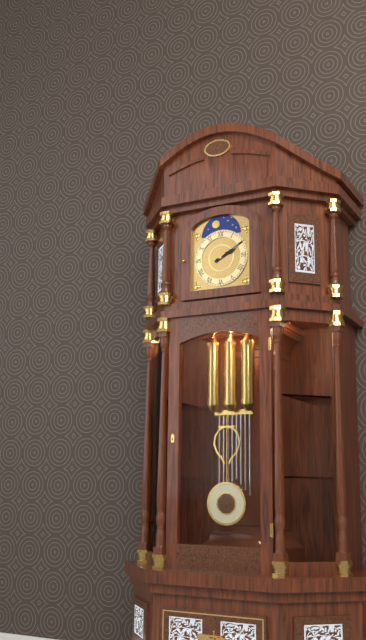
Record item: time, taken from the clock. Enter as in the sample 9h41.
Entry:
2h10
